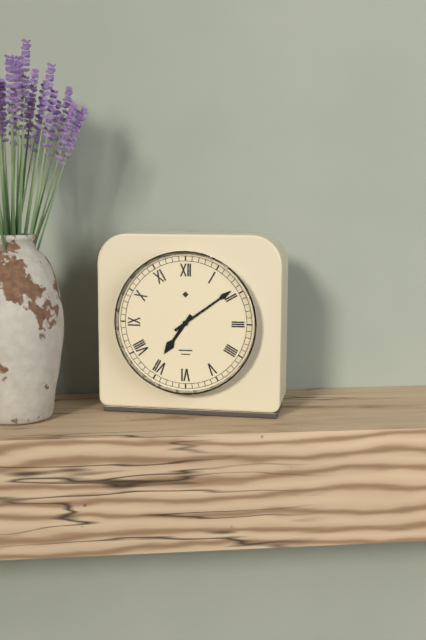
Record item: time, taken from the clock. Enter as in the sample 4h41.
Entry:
7h09
